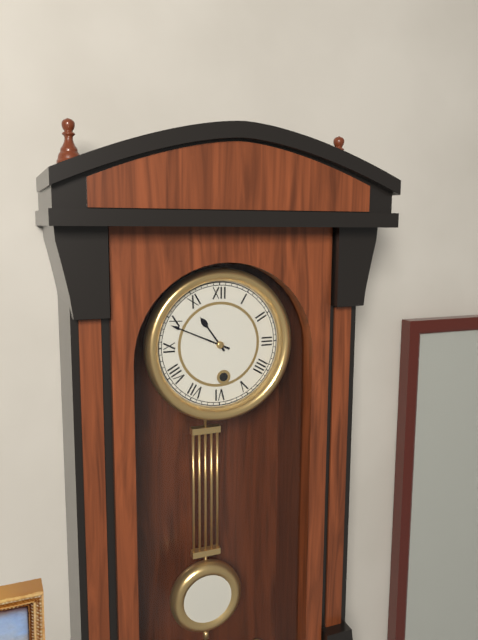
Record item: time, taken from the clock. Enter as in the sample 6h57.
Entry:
10h49
